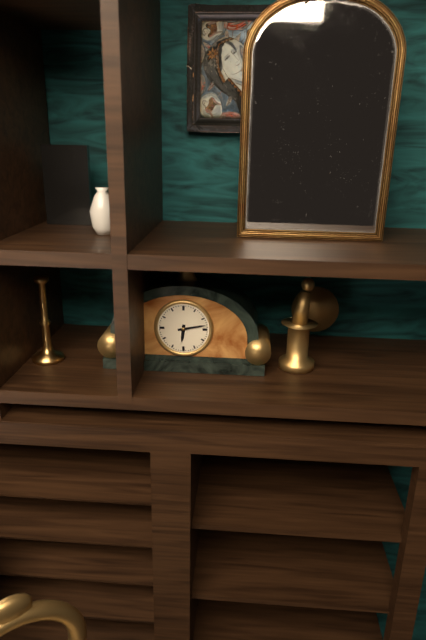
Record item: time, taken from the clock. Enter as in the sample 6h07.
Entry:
6h13
